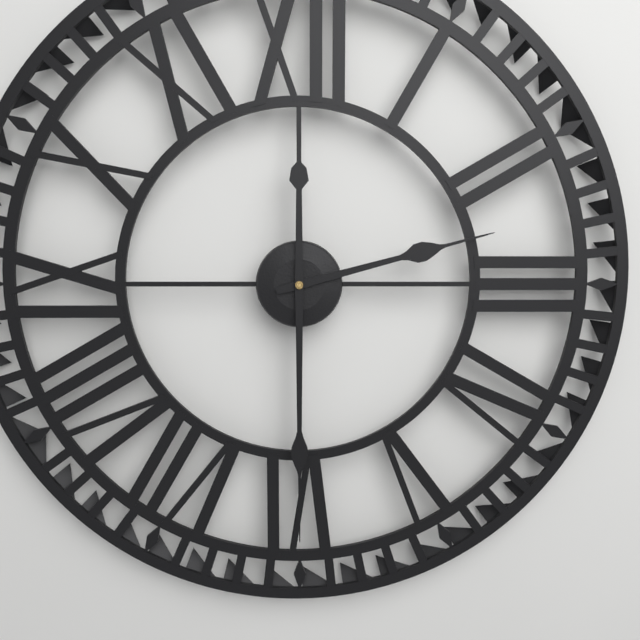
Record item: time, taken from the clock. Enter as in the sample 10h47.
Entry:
2h30
